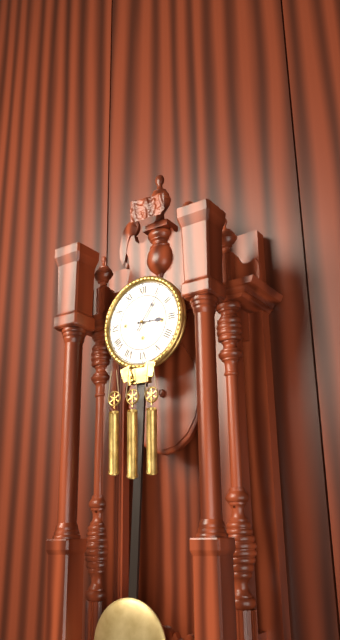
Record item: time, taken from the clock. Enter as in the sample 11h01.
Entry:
3h06
